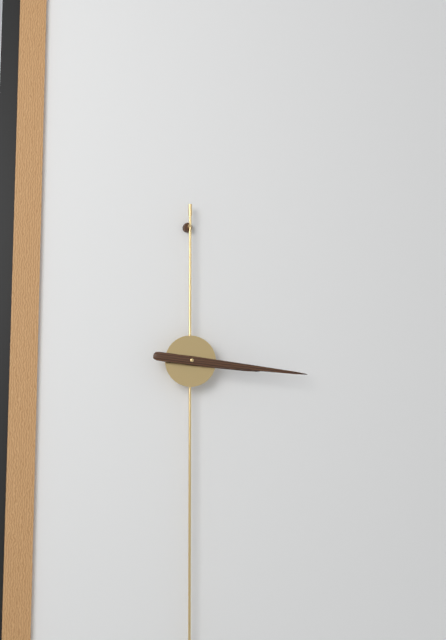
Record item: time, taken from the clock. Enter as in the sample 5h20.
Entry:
3h16
